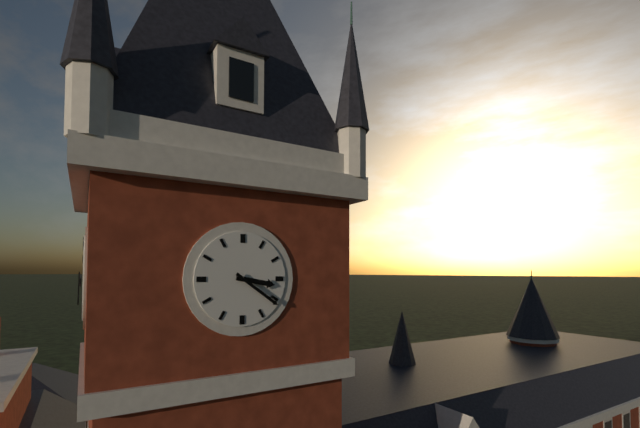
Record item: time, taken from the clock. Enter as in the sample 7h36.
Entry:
3h21
